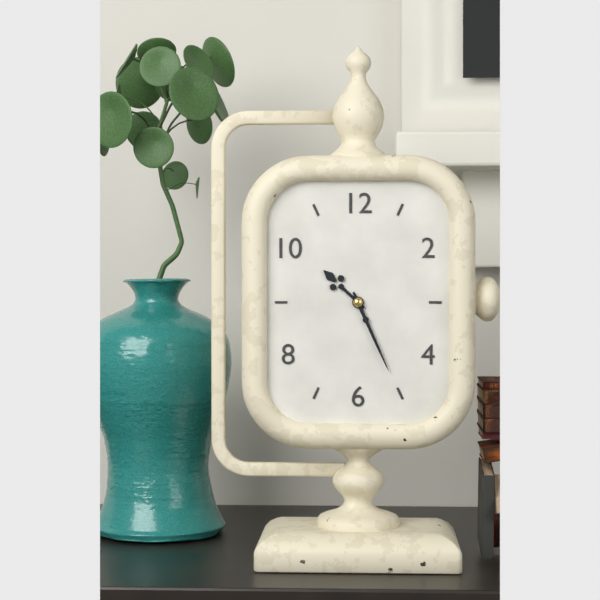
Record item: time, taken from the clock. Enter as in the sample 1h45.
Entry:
10h26
